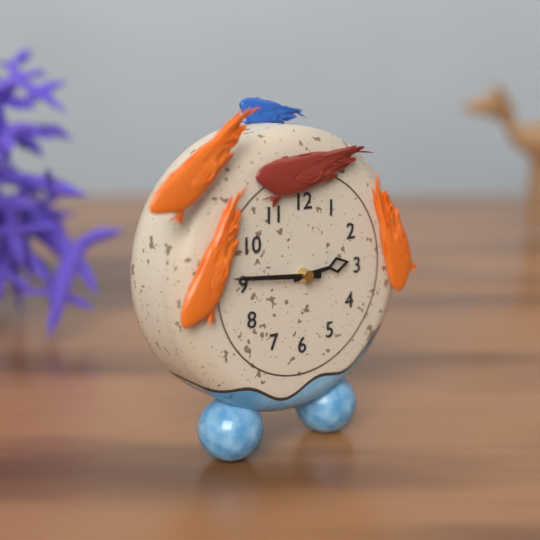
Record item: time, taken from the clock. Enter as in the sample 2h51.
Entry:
2h46
